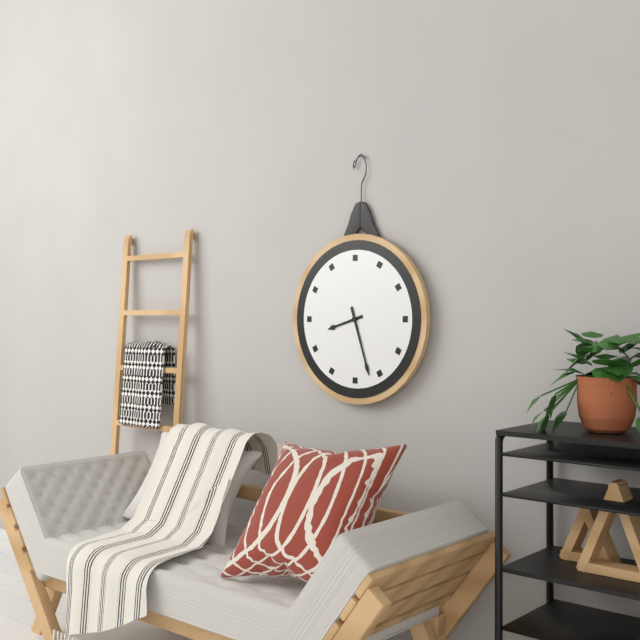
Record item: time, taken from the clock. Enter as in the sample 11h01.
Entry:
8h27
